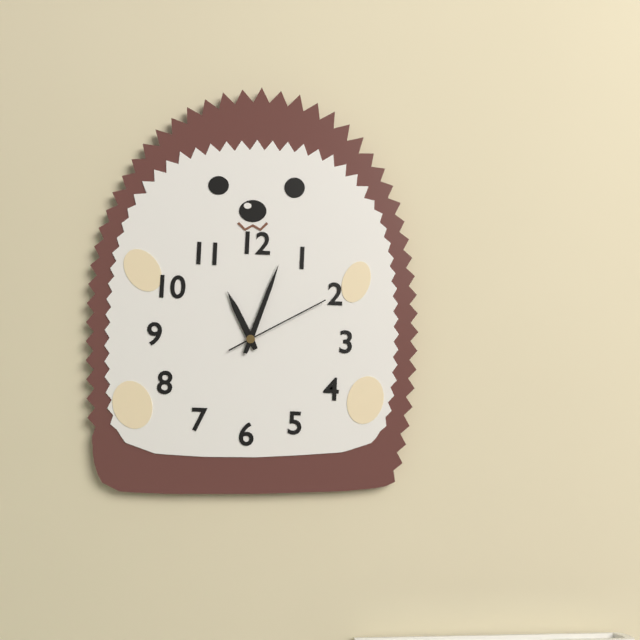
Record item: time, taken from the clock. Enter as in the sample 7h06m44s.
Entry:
11h03m10s
